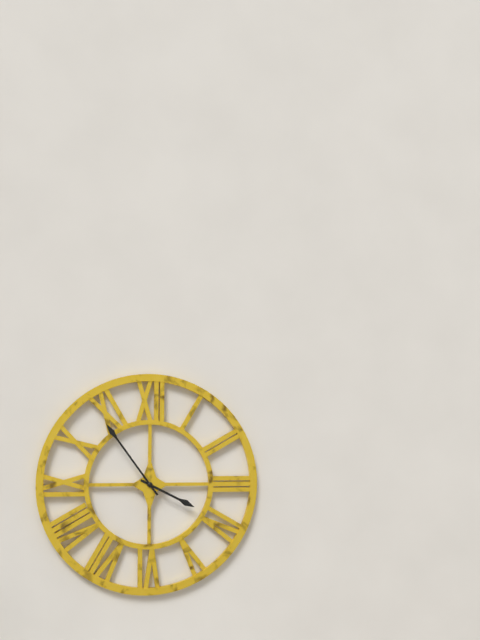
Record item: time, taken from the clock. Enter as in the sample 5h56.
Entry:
3h54
